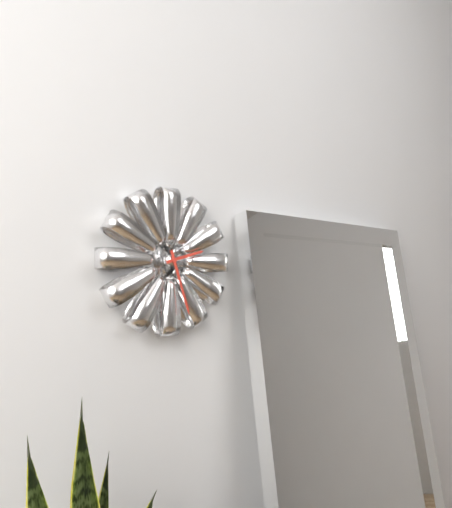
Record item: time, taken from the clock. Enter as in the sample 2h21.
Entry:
2h27
